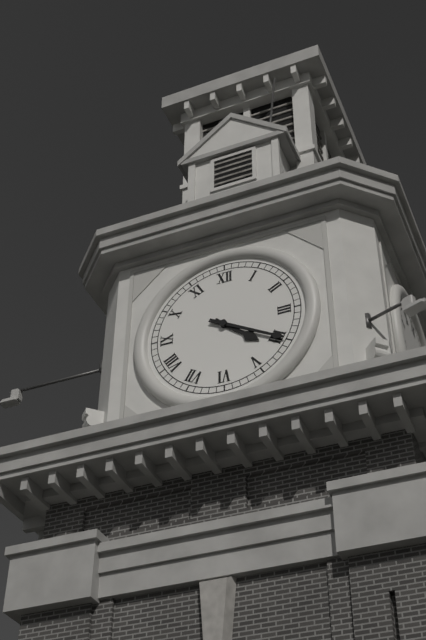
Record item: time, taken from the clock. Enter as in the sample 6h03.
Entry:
4h20
